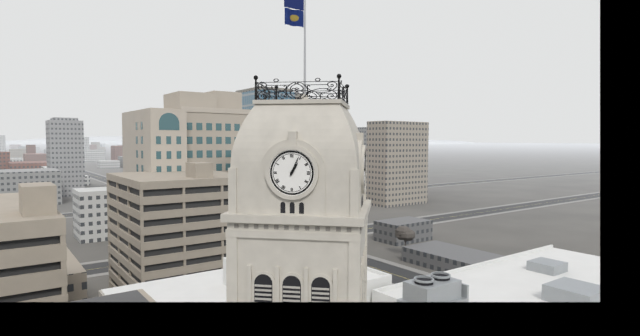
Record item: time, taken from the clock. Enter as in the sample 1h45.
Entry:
1h04
